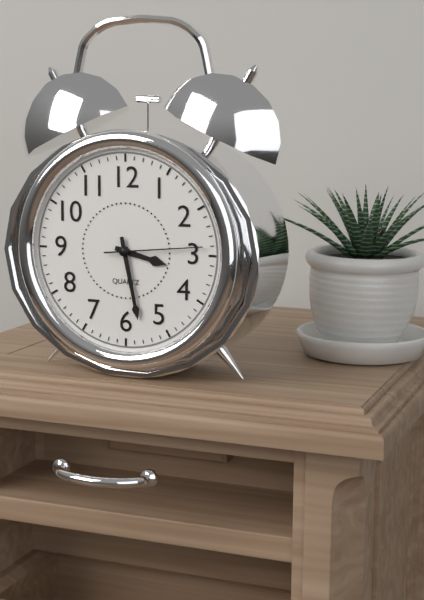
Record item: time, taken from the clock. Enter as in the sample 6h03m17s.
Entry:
3h28m14s
